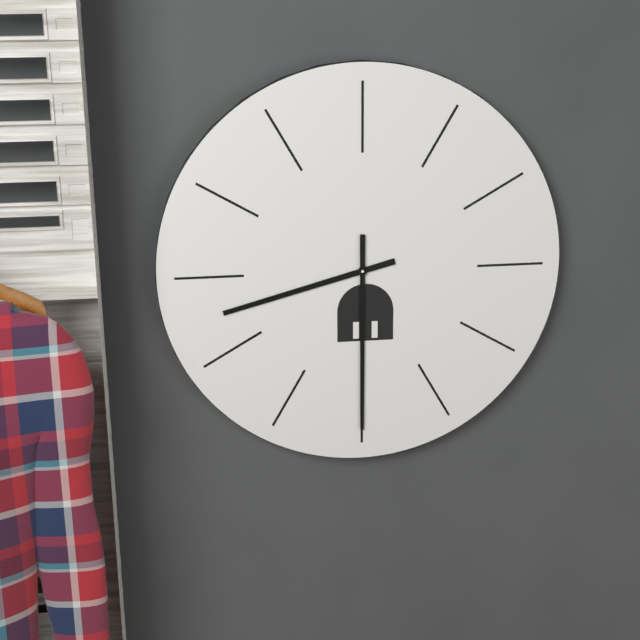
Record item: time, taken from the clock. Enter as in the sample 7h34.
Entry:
8h30
